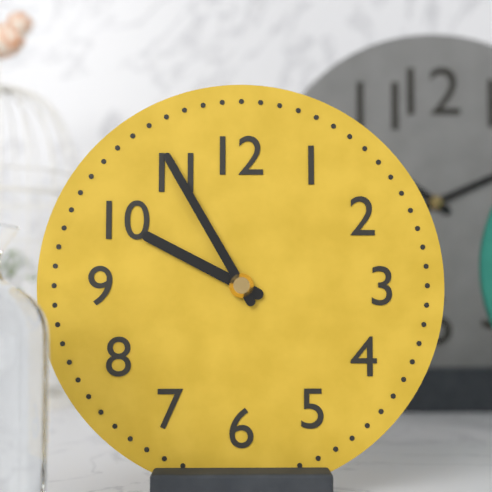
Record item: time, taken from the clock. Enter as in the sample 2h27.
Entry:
9h55
